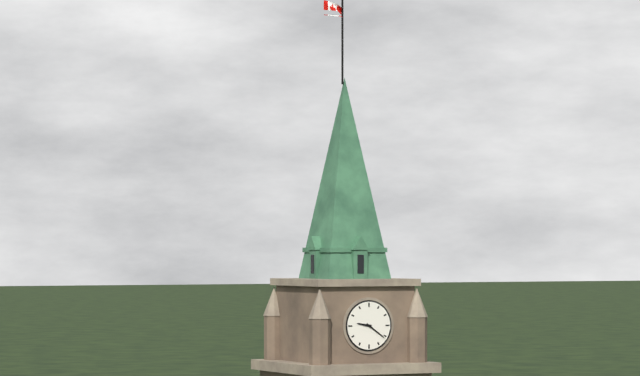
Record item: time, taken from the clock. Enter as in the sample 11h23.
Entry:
9h21
